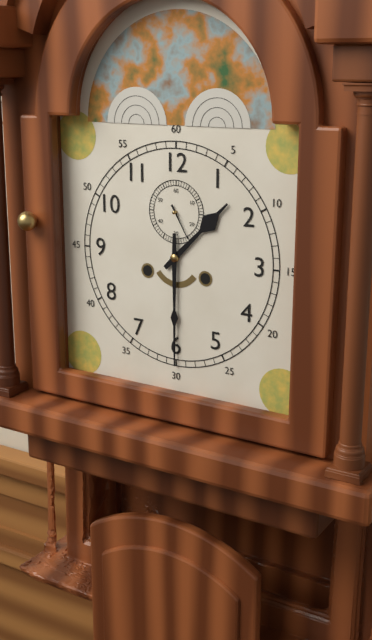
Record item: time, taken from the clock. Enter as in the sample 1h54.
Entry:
1h30
